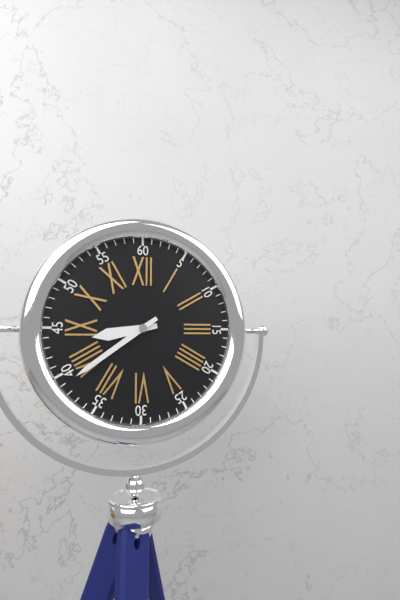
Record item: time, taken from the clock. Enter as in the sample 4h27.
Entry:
8h39
